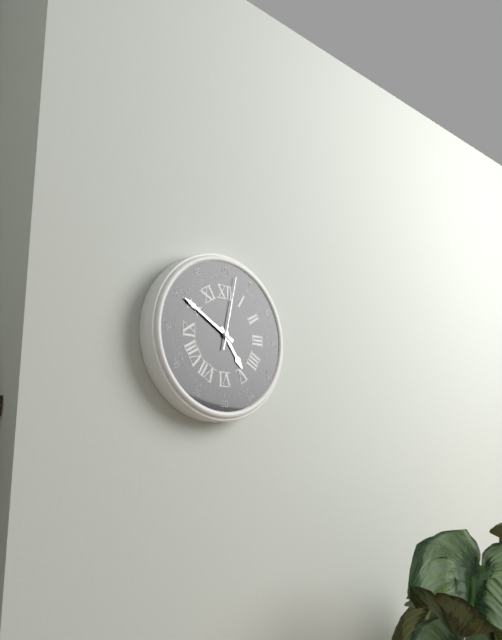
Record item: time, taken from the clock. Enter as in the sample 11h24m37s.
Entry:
4h50m02s
